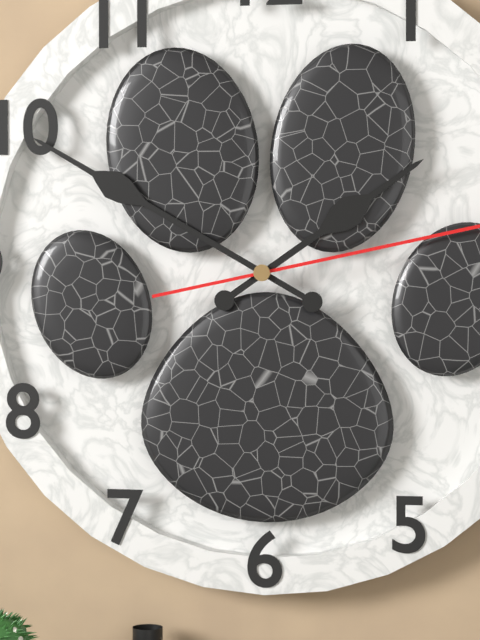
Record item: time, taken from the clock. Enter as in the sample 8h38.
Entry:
1h50
